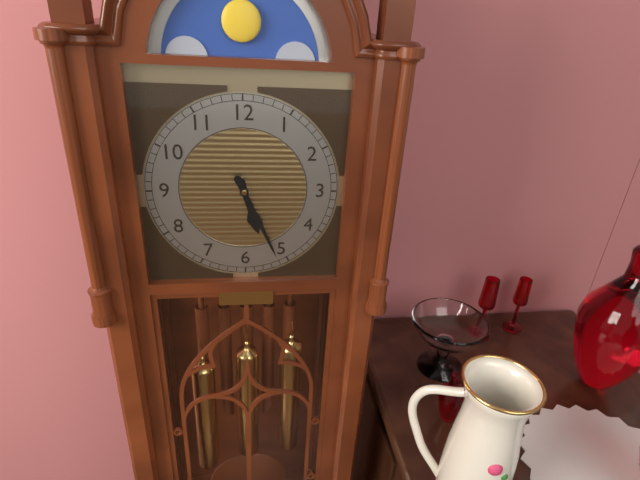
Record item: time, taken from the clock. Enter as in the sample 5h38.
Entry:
5h26
